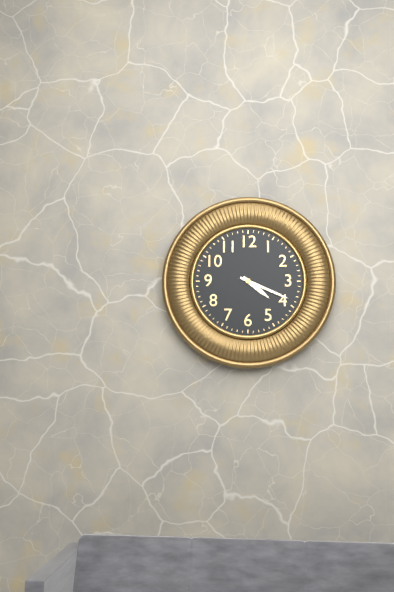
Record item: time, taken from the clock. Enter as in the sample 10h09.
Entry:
4h19
